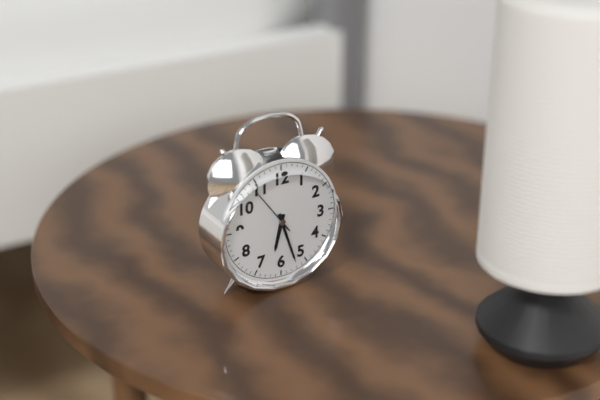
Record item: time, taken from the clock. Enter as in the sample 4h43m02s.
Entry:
6h27m54s
